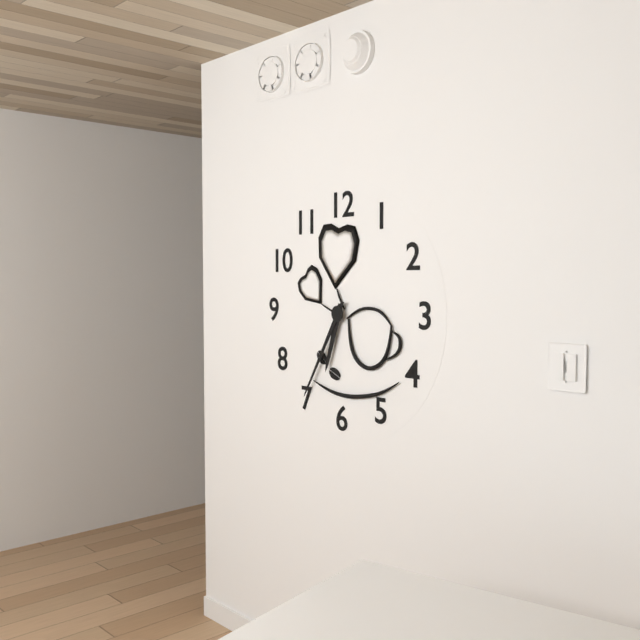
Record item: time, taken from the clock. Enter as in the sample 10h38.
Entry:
6h35
